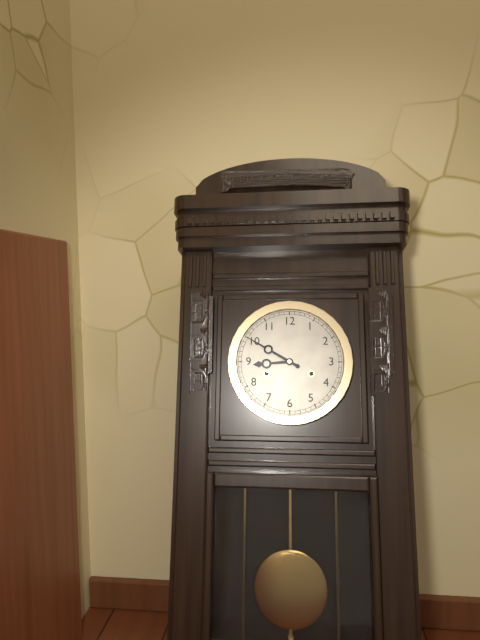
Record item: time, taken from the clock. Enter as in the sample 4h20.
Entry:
8h50
